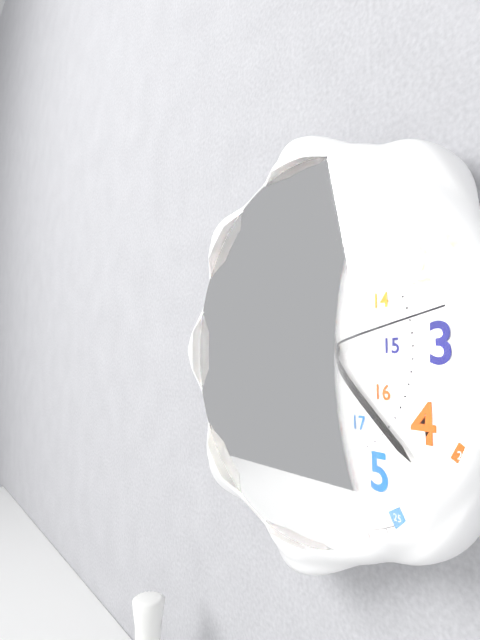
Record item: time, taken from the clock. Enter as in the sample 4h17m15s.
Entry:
9h22m13s
